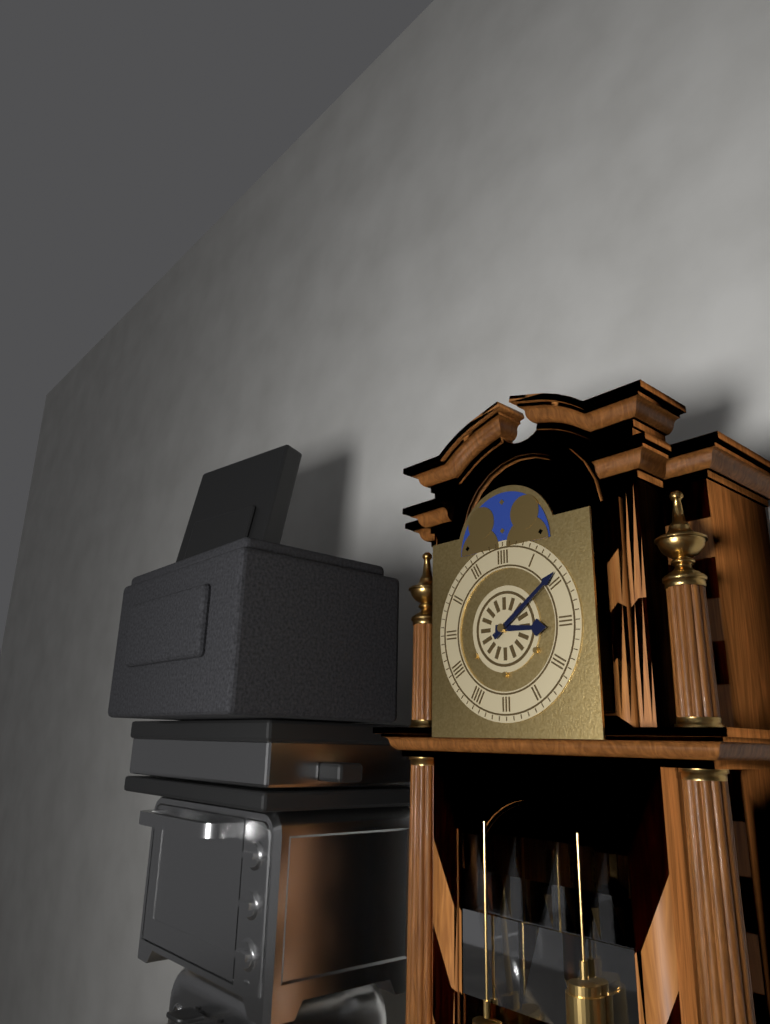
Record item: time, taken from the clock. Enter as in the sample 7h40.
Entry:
3h09
